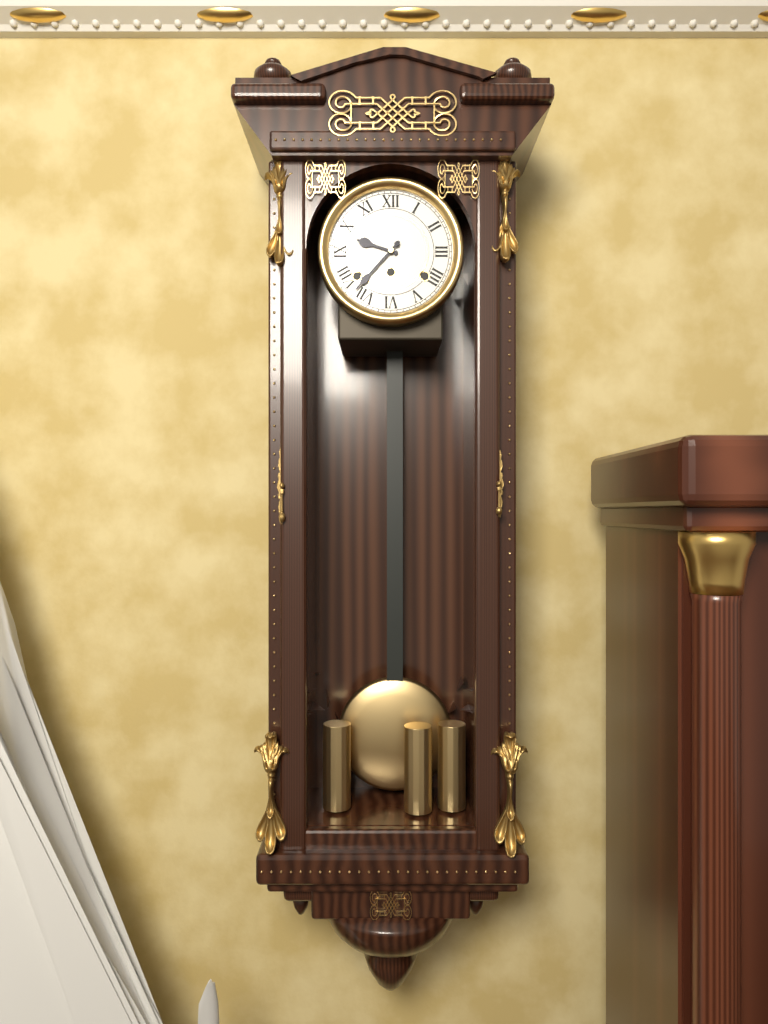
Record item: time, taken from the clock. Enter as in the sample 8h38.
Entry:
9h37
